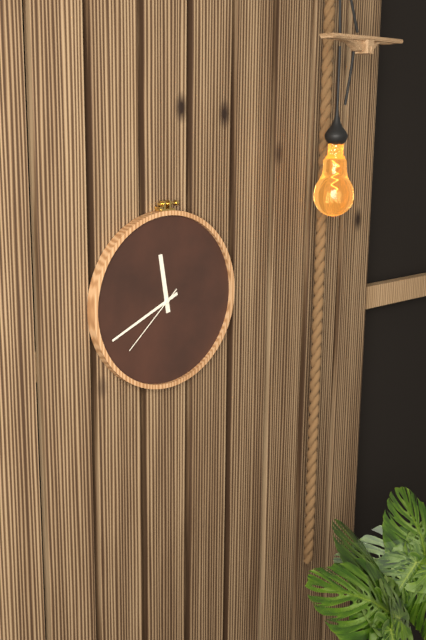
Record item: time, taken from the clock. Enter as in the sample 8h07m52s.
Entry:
11h41m38s
